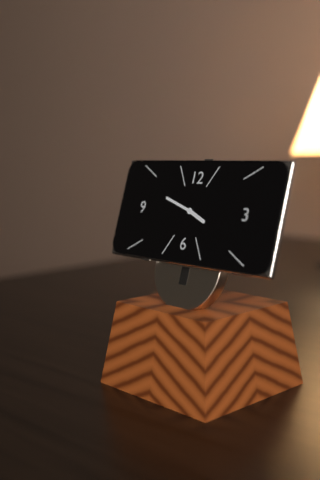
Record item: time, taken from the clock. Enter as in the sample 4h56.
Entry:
3h48
